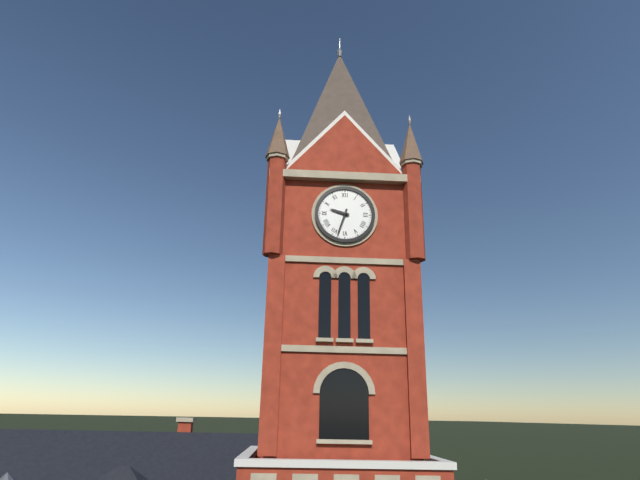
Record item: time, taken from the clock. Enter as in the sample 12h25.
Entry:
9h33
